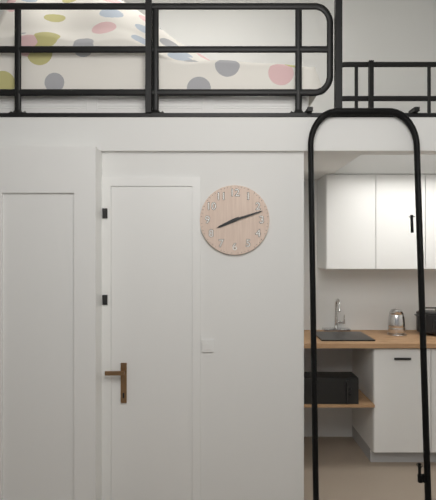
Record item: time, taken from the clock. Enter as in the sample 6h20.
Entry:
8h12
